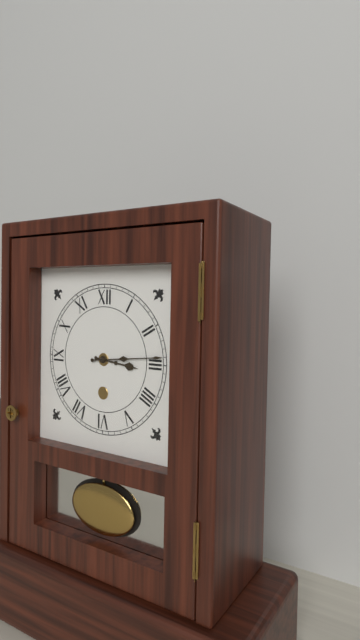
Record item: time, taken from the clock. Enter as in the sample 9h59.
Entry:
3h14
